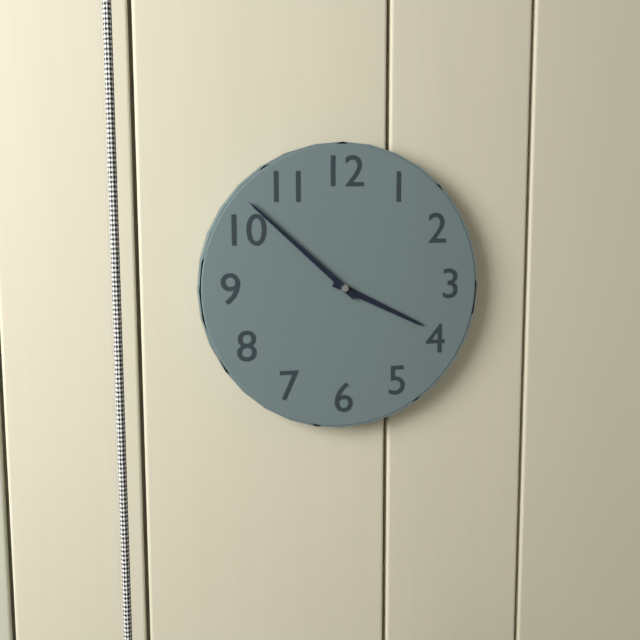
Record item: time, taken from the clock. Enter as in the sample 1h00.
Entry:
3h52
